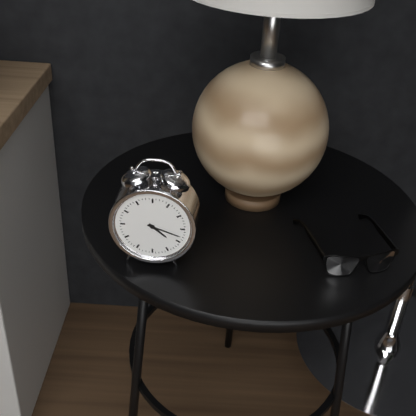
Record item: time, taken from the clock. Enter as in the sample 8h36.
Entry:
4h18
